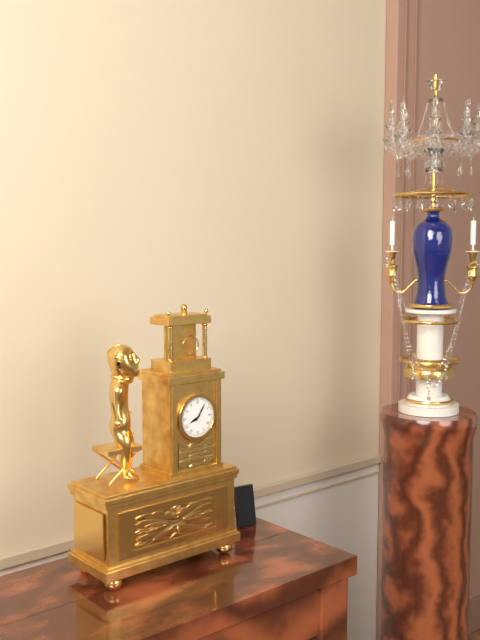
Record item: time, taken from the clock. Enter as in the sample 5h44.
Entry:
8h06
